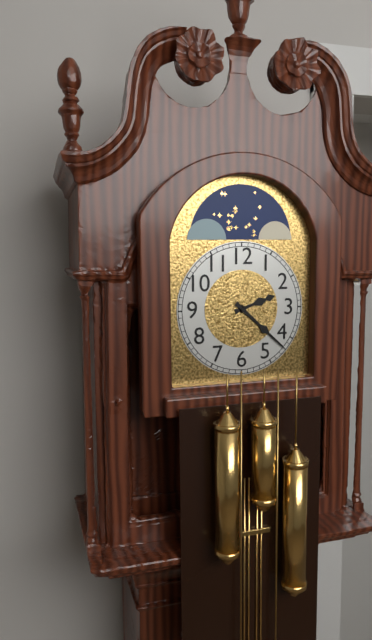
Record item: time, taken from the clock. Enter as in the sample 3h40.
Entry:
2h22
